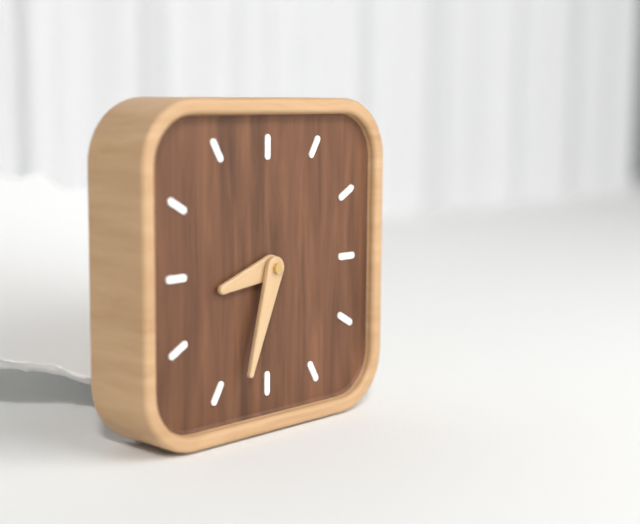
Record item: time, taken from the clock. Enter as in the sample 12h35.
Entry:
8h33
